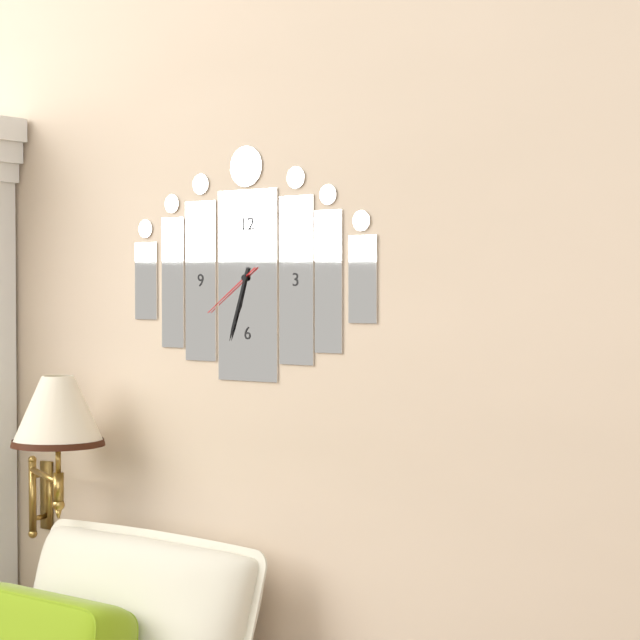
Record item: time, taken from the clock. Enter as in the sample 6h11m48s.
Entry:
6h33m39s
